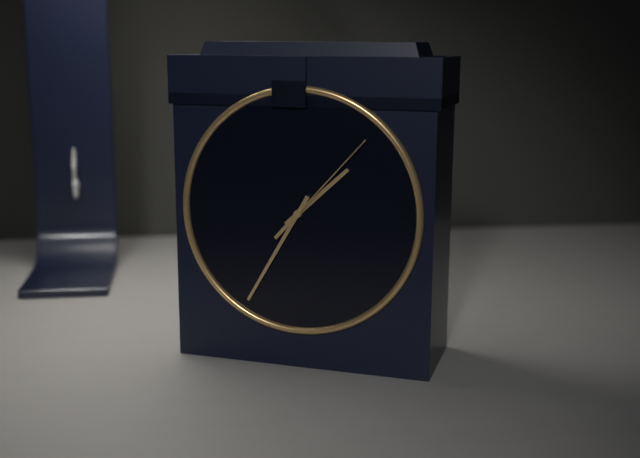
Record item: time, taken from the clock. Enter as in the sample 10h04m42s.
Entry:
1h35m07s
